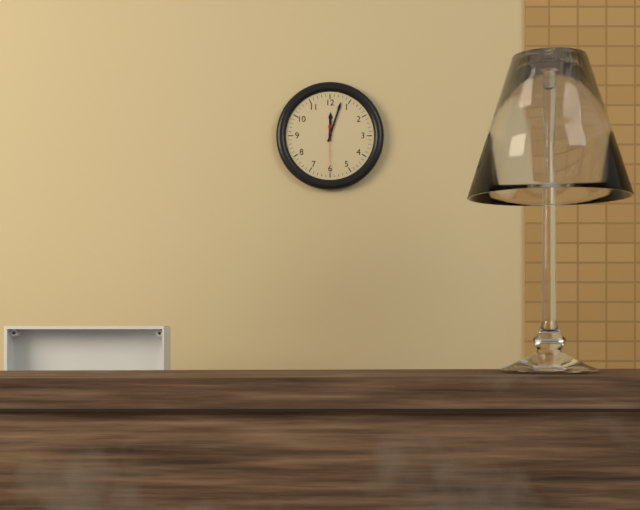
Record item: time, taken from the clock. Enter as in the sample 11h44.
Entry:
12h03
